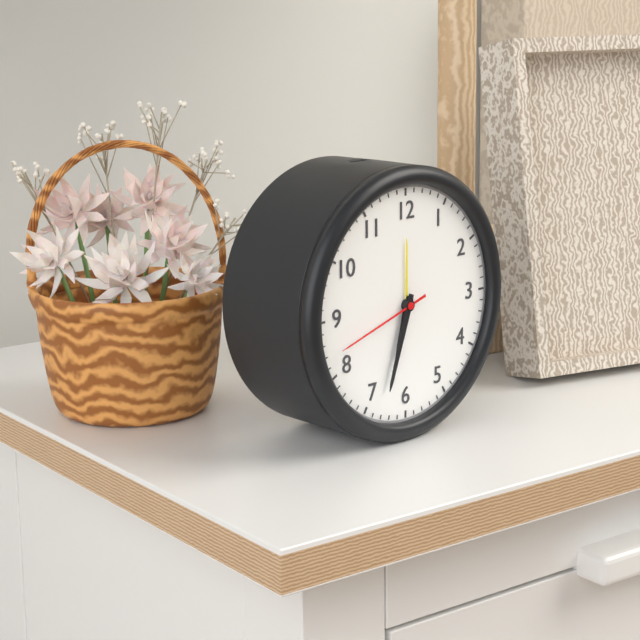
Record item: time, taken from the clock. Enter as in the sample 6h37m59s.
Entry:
6h33m42s
